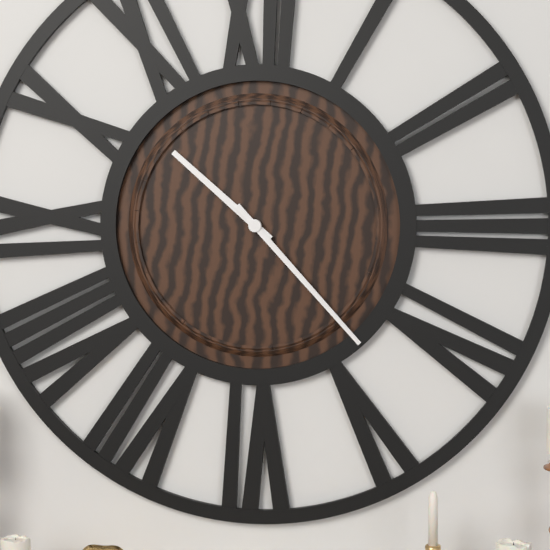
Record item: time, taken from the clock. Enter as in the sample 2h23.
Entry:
10h23
